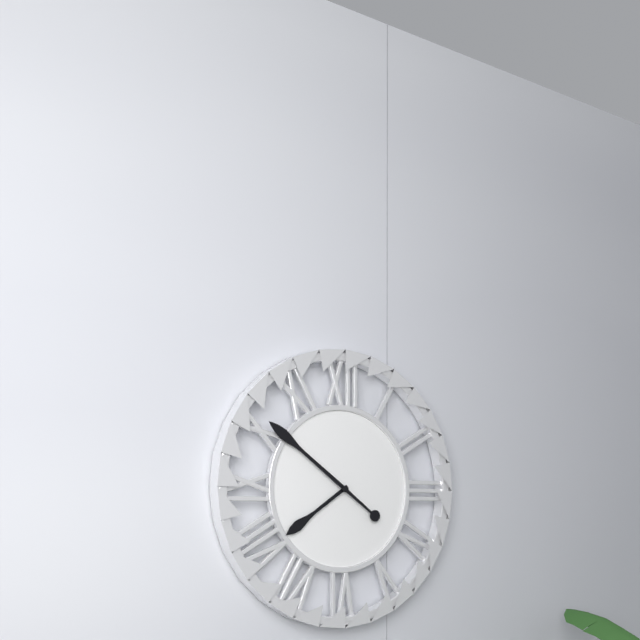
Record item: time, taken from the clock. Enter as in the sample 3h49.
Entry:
7h51
